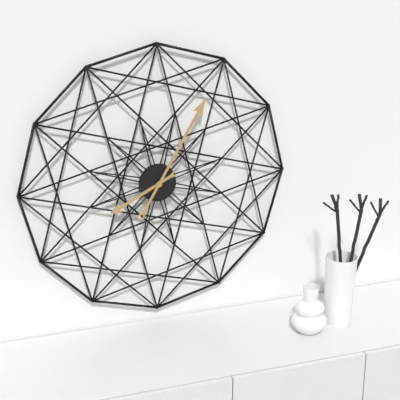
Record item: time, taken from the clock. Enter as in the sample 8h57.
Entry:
8h05
